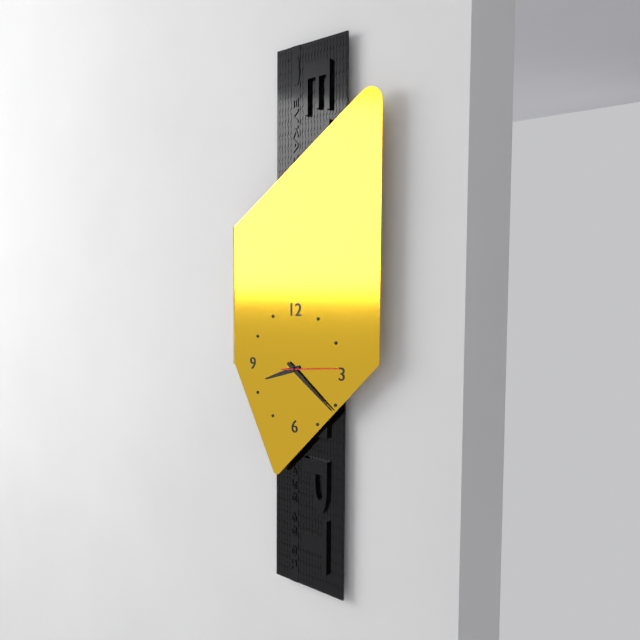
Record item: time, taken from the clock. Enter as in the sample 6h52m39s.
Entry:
8h21m14s
